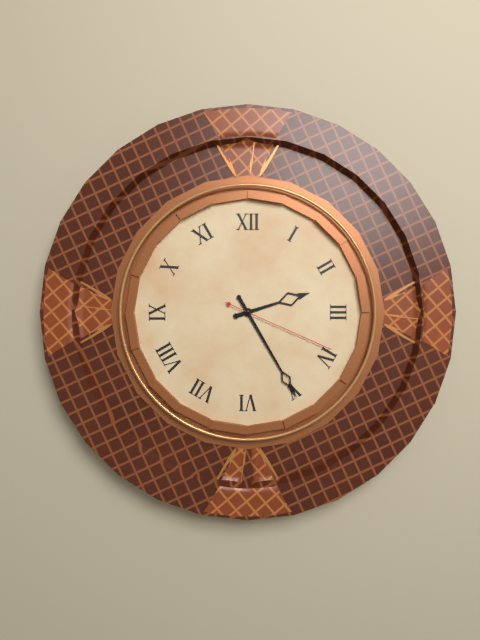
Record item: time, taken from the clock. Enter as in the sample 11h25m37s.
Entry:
2h25m19s
